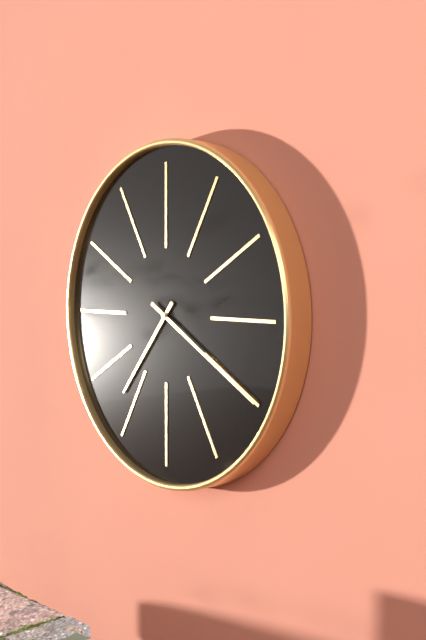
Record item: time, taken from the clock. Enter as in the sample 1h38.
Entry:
7h20
